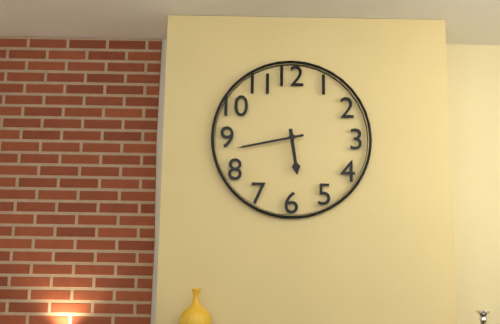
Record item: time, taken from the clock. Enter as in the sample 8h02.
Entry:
5h43
